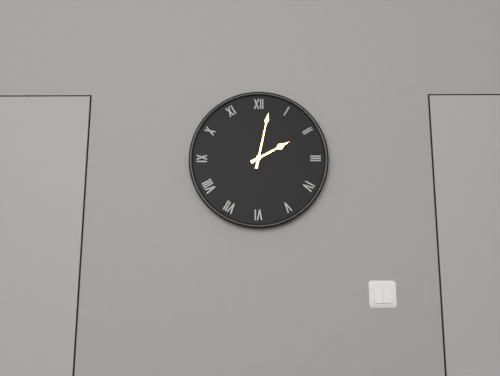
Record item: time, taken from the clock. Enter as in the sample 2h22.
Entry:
2h02
